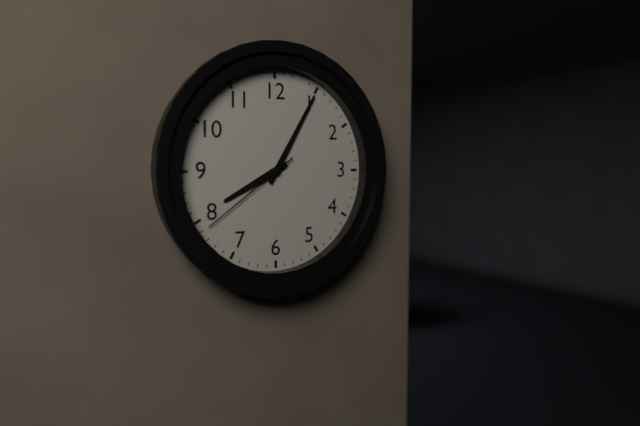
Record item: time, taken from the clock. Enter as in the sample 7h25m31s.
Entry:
8h05m39s
